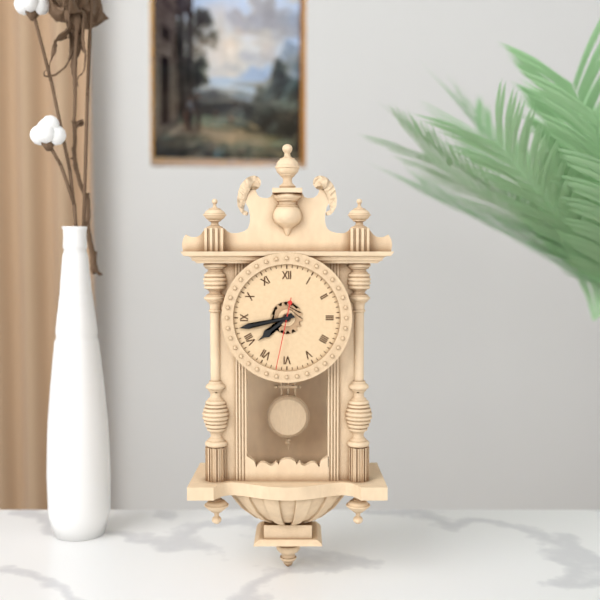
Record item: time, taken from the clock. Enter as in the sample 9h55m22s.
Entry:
7h43m32s
